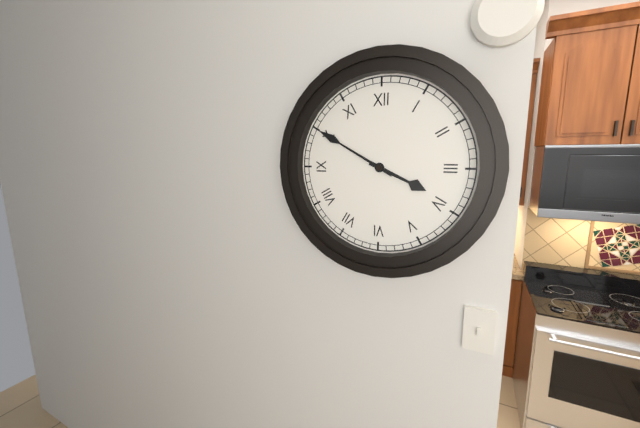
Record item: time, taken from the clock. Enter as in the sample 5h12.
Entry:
3h50
